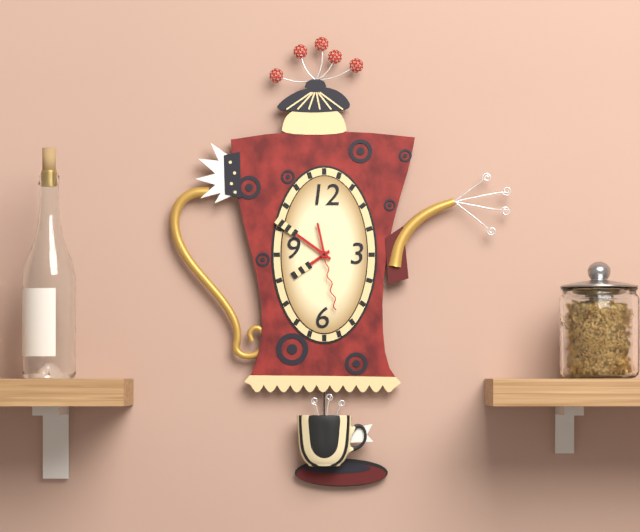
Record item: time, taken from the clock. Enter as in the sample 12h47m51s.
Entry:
7h51m28s
